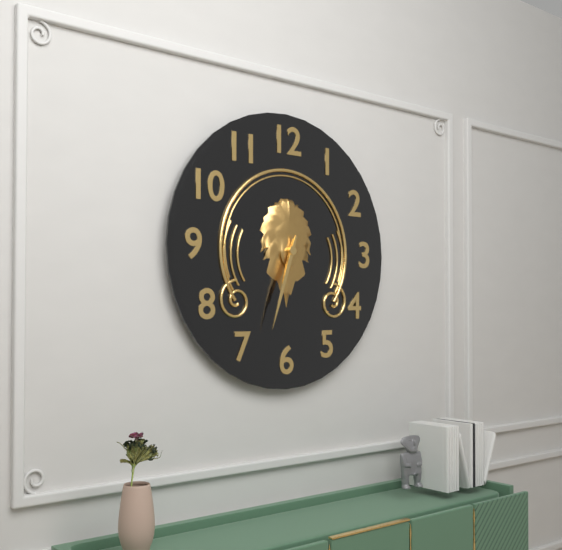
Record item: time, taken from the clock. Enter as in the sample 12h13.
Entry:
6h33
